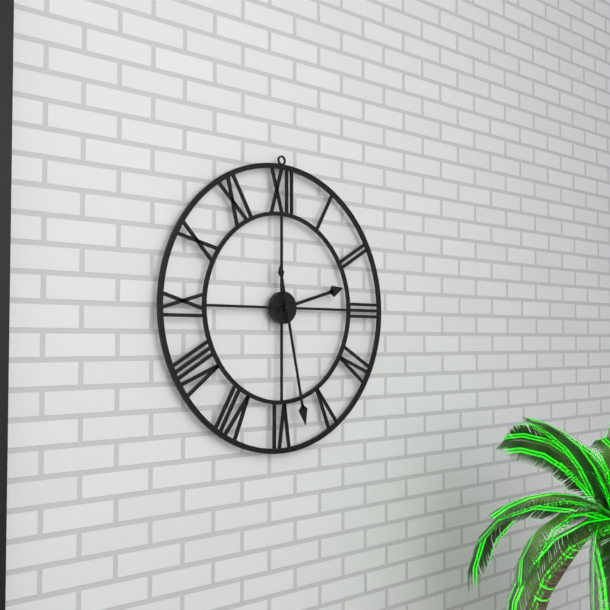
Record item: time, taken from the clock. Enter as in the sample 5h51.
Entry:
2h28
